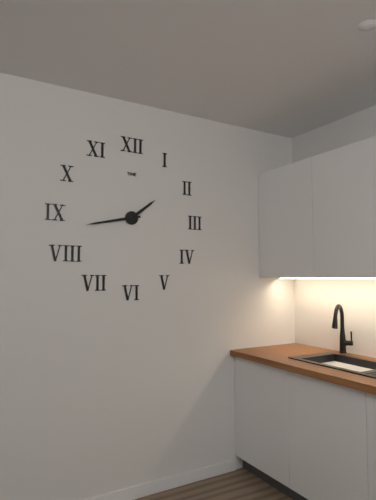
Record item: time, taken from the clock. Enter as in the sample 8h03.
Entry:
1h43
